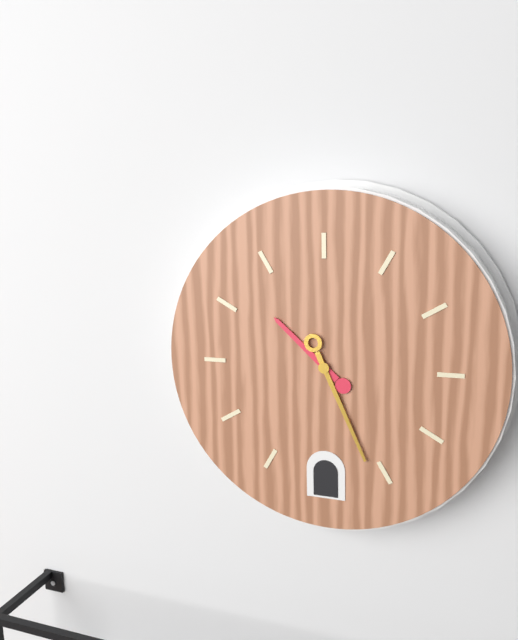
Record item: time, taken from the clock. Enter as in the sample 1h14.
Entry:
10h26
